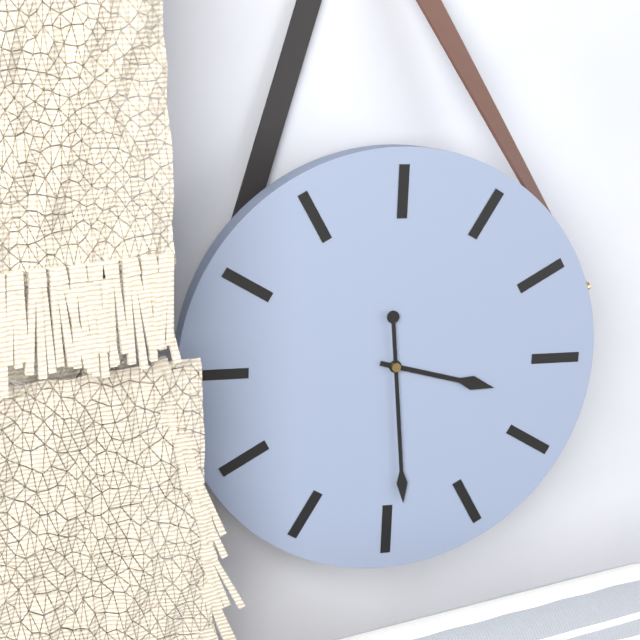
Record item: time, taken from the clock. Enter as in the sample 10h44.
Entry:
3h29
